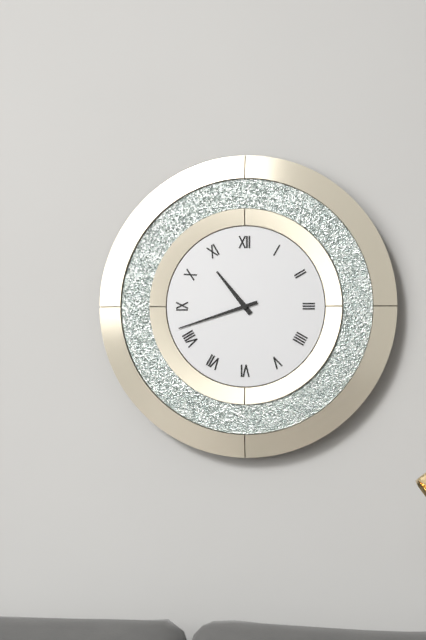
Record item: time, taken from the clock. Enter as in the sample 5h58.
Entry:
10h42
